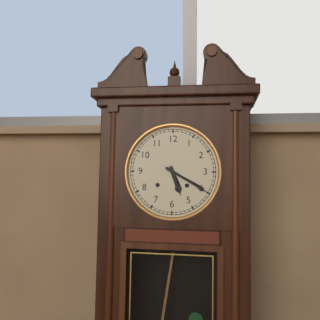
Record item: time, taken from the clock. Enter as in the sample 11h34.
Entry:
5h20
